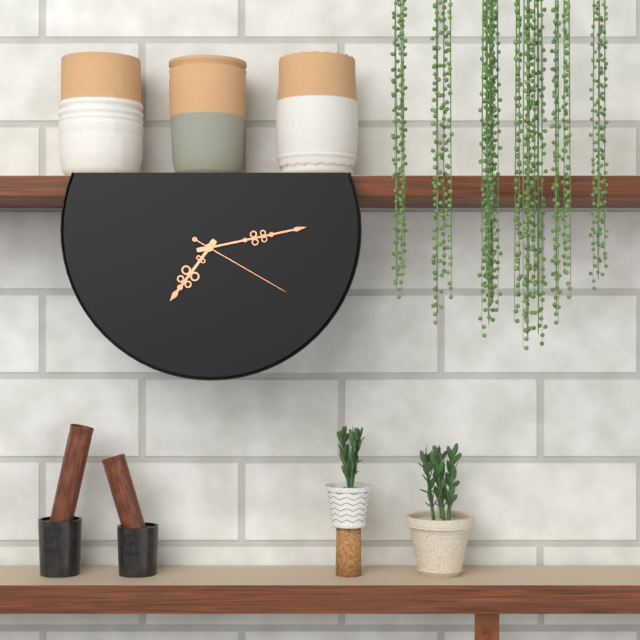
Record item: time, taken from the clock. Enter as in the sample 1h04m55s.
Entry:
7h13m20s
